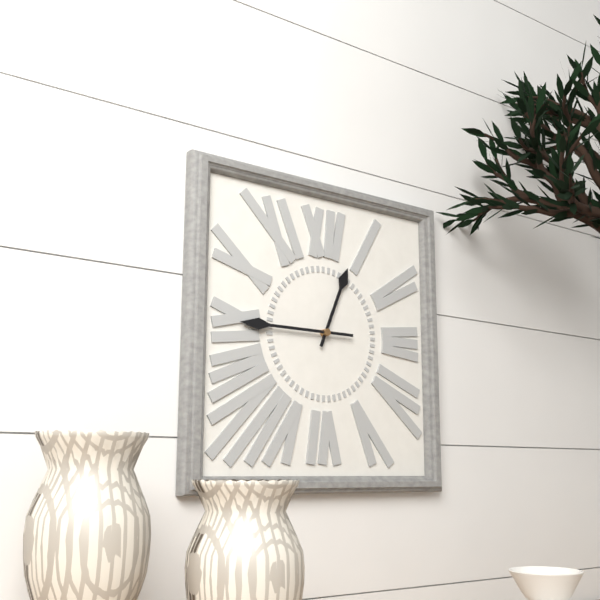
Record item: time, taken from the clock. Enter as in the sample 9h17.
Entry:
12h45
